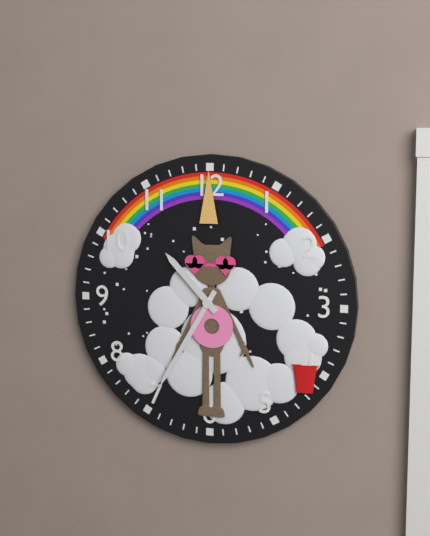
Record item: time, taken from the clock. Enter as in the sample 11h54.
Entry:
10h35
